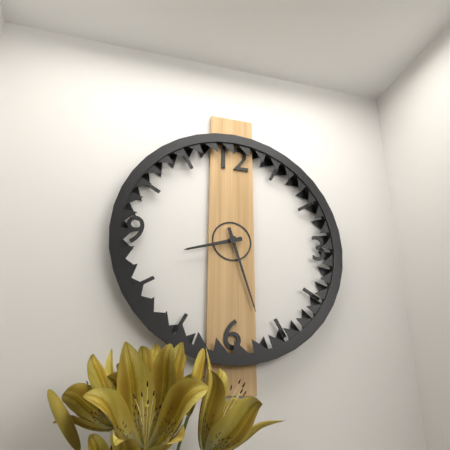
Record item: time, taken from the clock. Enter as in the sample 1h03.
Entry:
8h27
